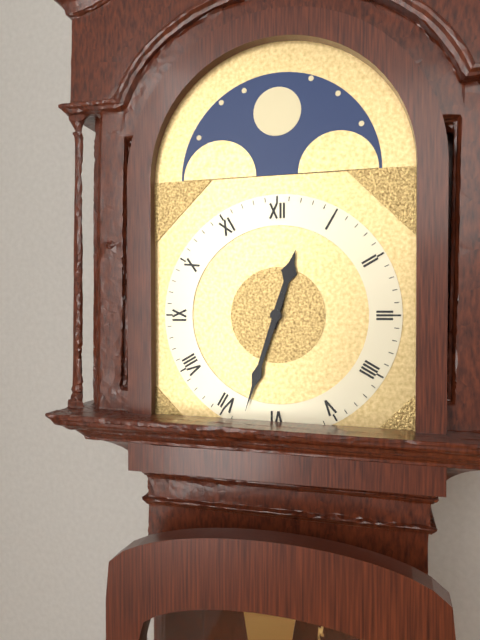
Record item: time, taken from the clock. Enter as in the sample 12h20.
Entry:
12h33
